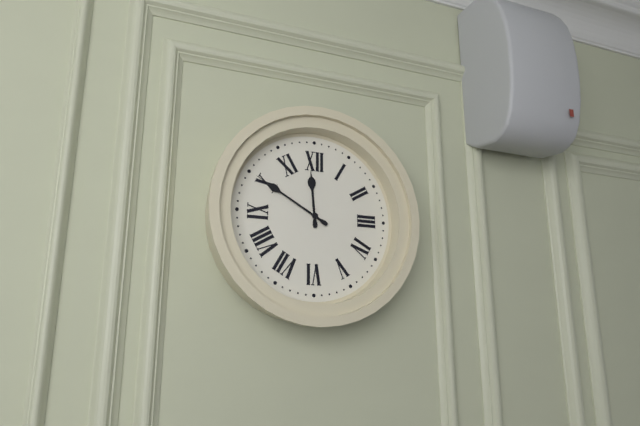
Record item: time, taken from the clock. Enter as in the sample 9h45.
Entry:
11h50
